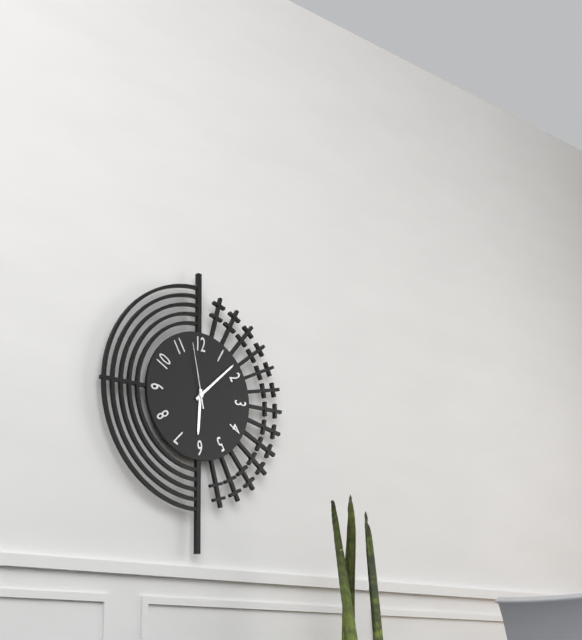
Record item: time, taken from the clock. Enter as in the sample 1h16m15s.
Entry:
6h08m58s
